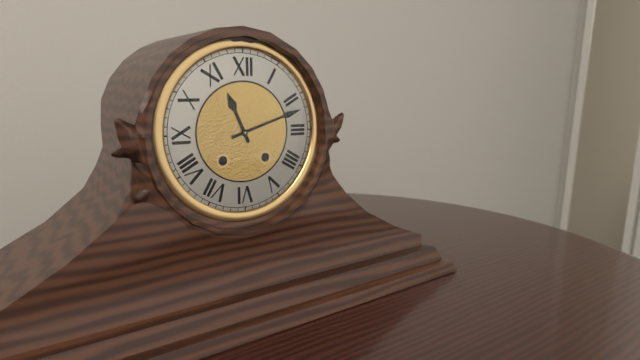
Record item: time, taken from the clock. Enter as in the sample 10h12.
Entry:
11h12
